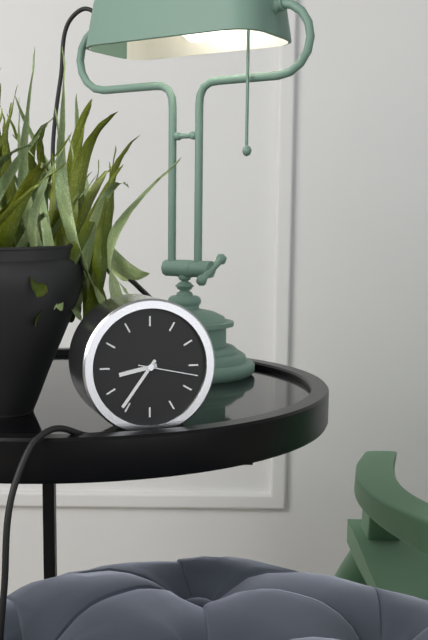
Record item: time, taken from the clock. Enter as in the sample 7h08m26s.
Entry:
8h36m17s
